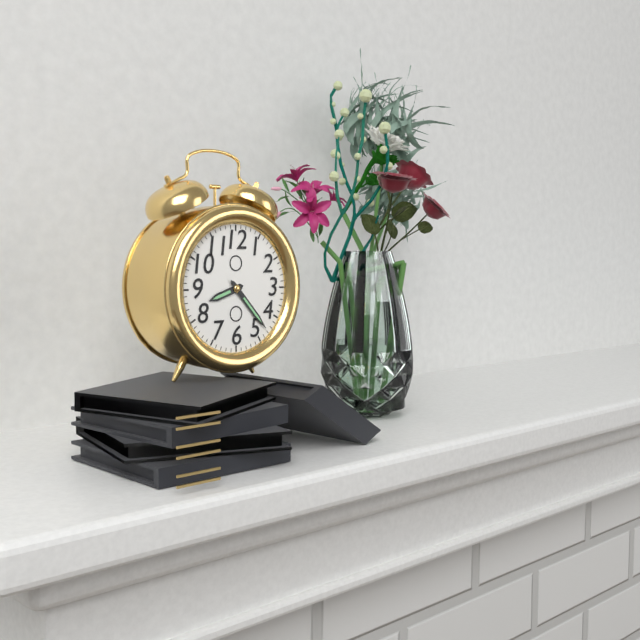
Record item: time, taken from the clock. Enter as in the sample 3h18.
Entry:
8h23
